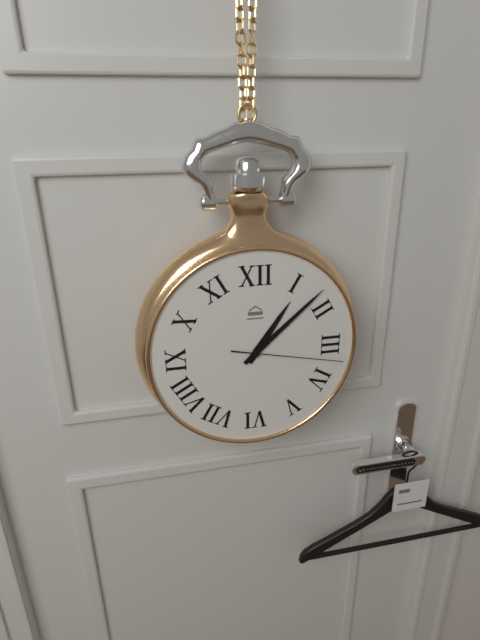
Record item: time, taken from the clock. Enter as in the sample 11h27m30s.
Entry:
1h08m17s
